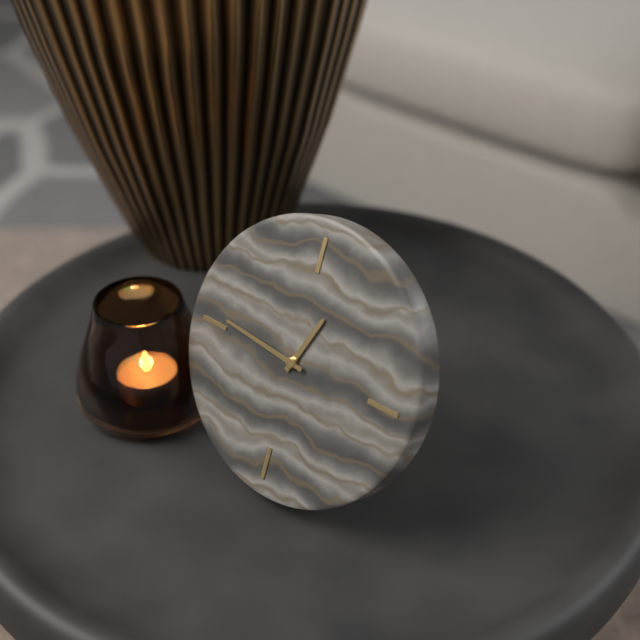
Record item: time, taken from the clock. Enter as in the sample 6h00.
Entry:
12h46
